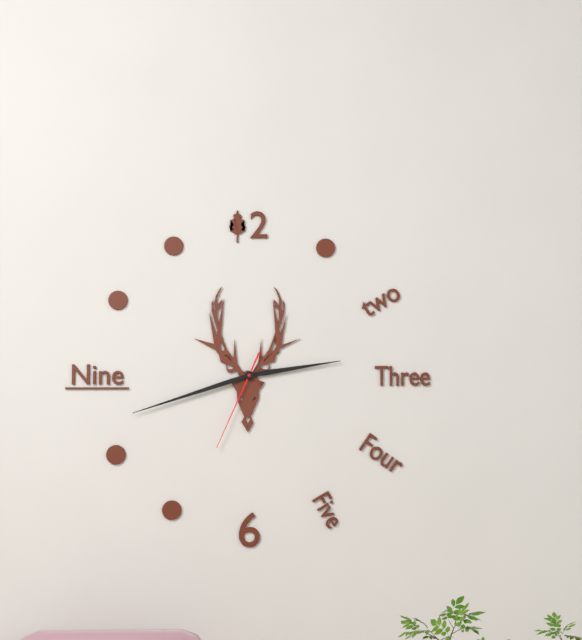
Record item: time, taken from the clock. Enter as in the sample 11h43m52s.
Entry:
2h42m34s
